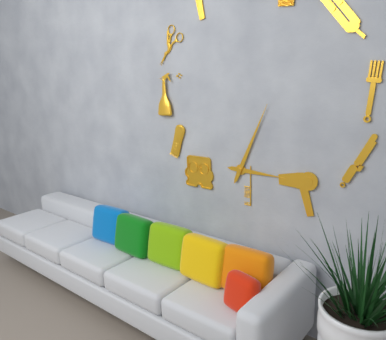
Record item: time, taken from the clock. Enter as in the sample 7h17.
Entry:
3h04
